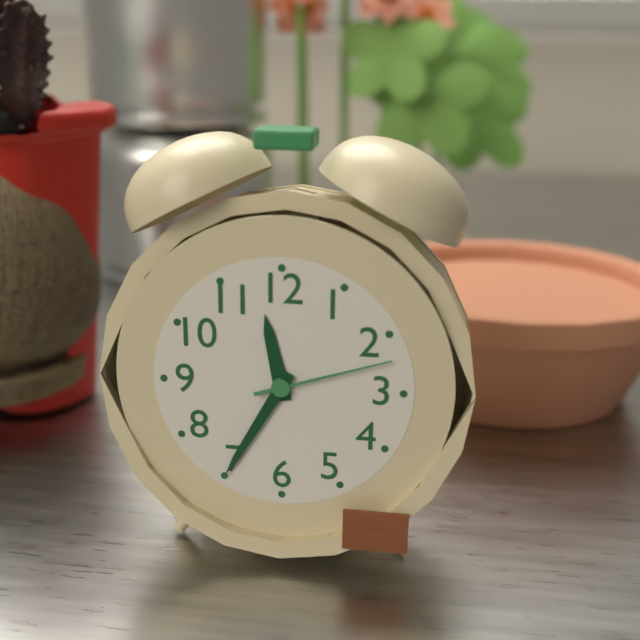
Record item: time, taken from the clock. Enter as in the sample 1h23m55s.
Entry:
11h35m12s
